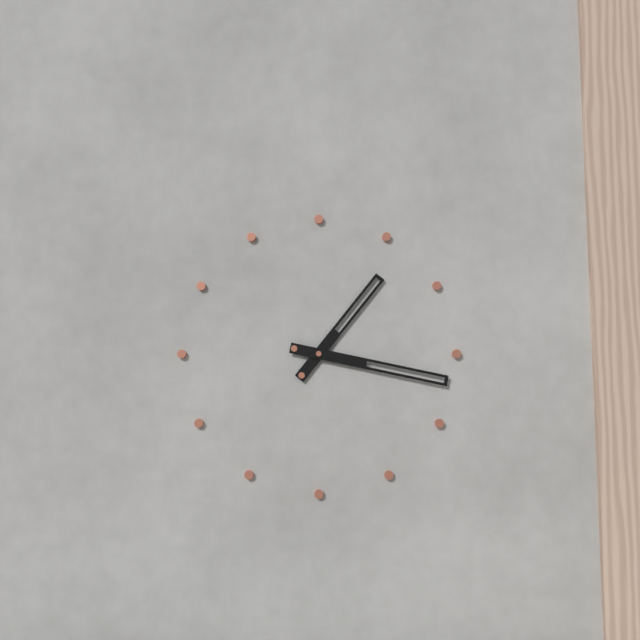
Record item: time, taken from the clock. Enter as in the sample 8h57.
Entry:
1h17
